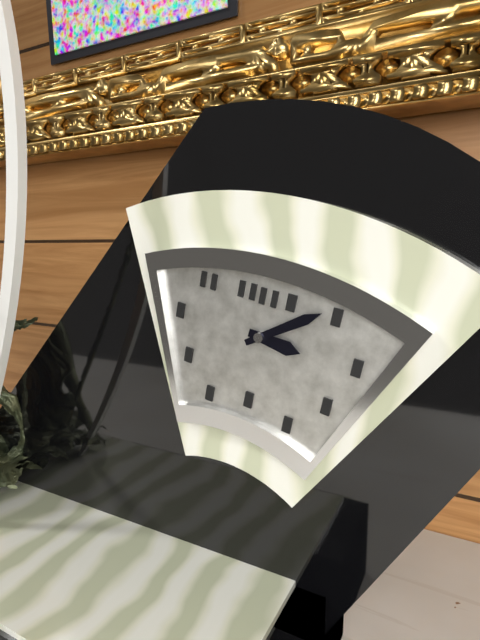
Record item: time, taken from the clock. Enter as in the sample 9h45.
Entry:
3h09
